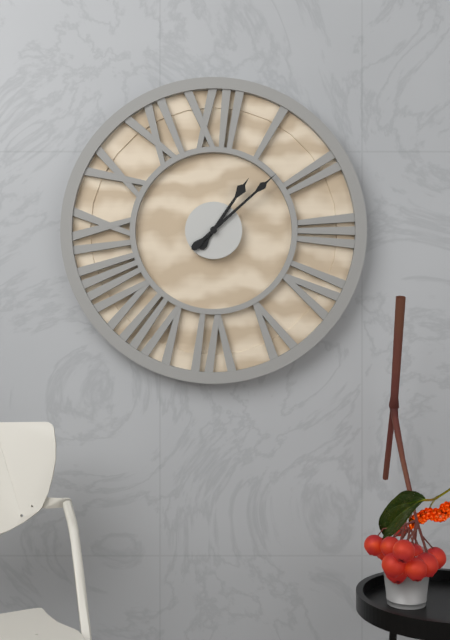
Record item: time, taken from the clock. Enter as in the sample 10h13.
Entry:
1h08
